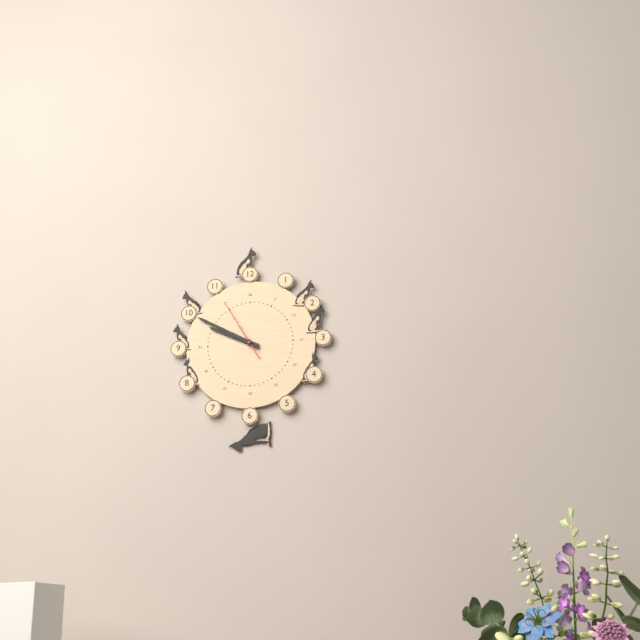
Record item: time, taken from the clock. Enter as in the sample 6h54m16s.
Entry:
9h50m55s
